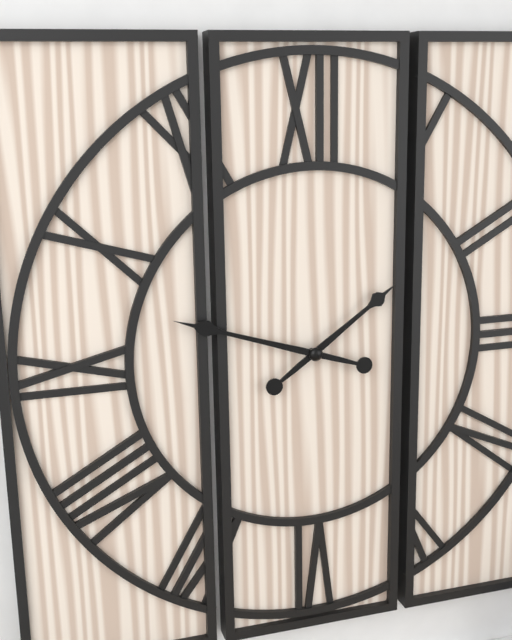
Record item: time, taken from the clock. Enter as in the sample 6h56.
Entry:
1h48
